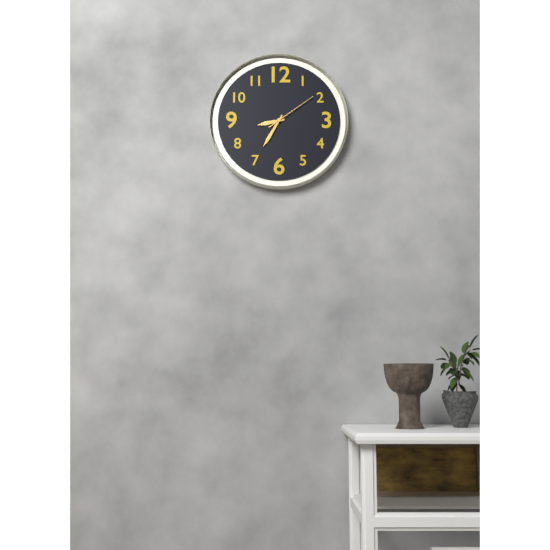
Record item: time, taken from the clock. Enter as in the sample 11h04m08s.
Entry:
8h35m09s
